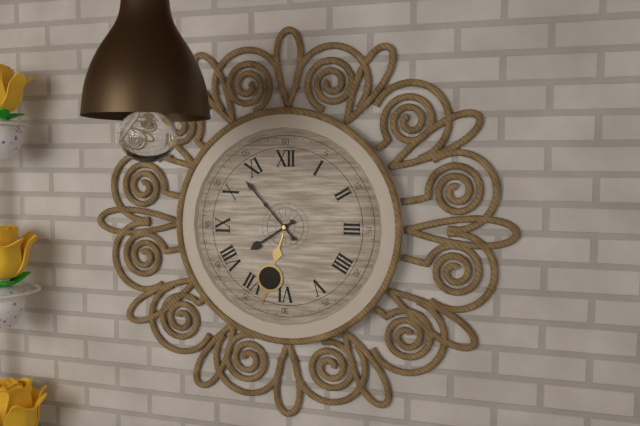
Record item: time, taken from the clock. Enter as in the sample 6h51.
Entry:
7h53
